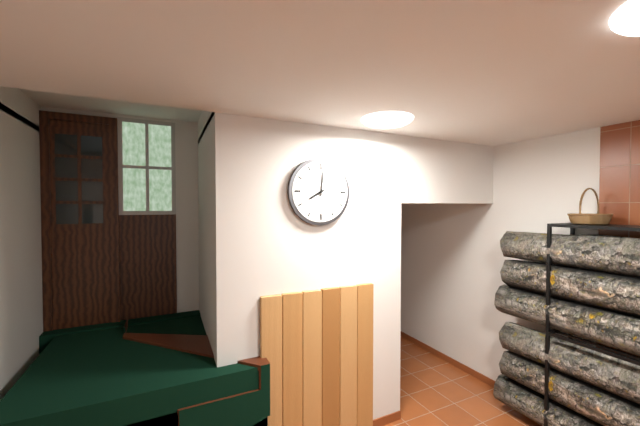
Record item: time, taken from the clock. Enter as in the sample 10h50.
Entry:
8h01
